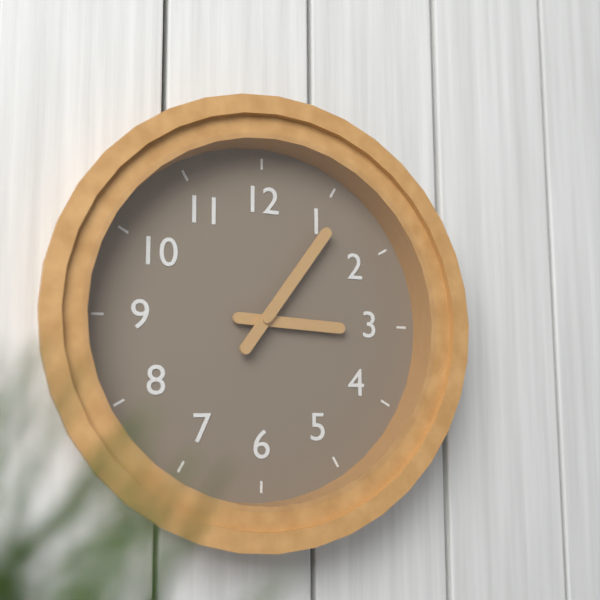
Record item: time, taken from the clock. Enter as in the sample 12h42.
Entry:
3h06
